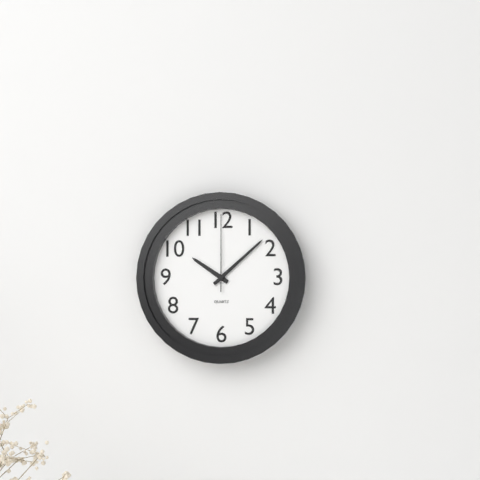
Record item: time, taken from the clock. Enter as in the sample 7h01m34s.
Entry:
10h08m00s
